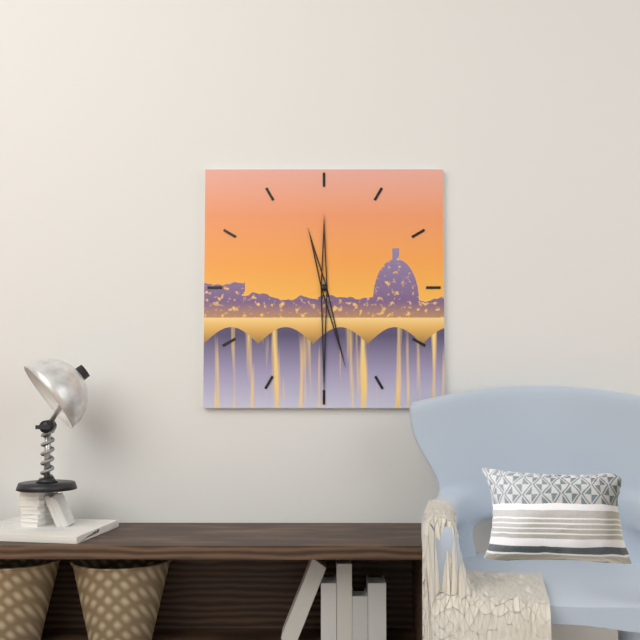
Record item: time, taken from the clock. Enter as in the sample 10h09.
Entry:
5h30
